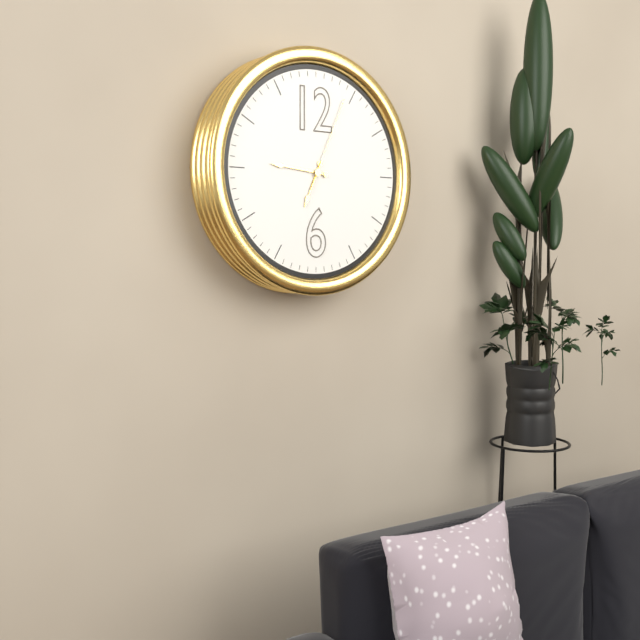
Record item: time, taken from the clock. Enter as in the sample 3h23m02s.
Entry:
6h46m04s
